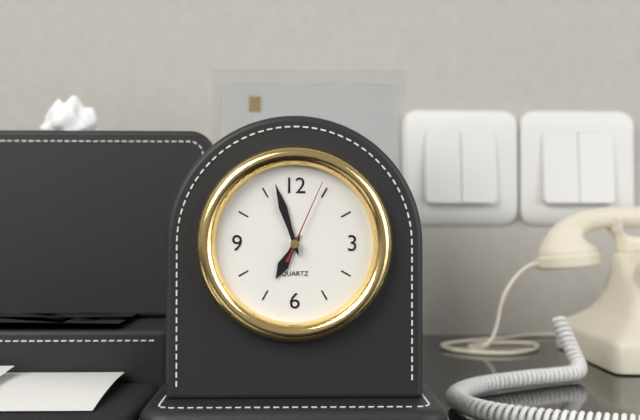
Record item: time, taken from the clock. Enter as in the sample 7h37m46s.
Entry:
6h57m04s
